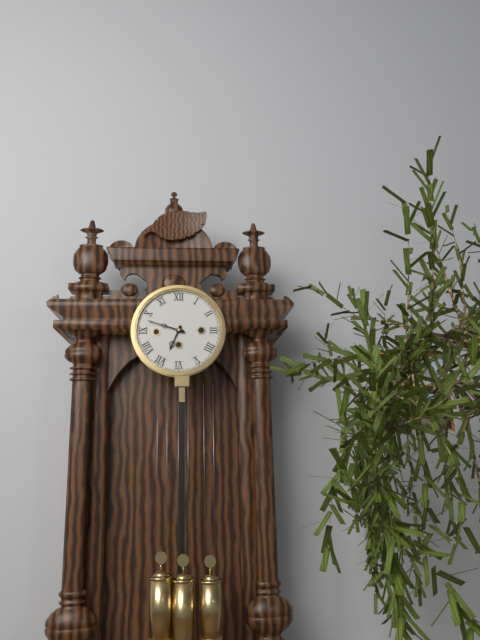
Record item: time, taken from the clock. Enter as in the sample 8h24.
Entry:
6h48
